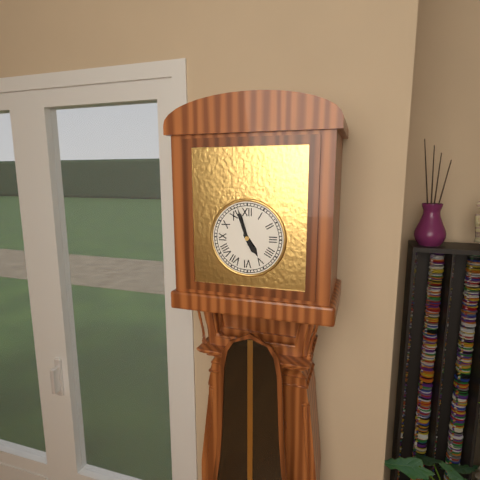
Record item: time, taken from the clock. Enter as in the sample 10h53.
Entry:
4h57
